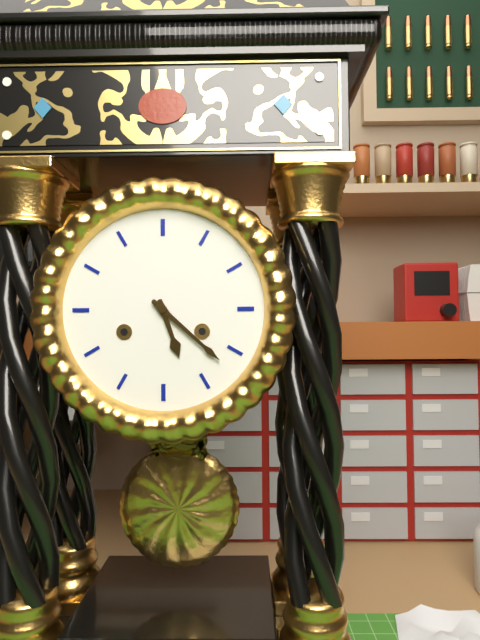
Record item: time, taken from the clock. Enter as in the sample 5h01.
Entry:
5h22
